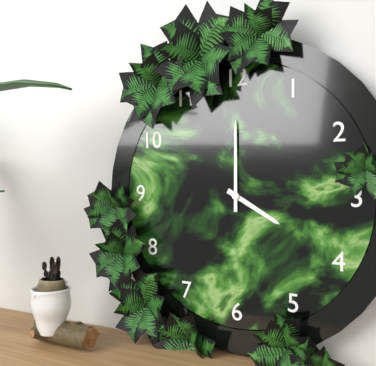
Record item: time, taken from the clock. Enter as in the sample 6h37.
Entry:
4h00
